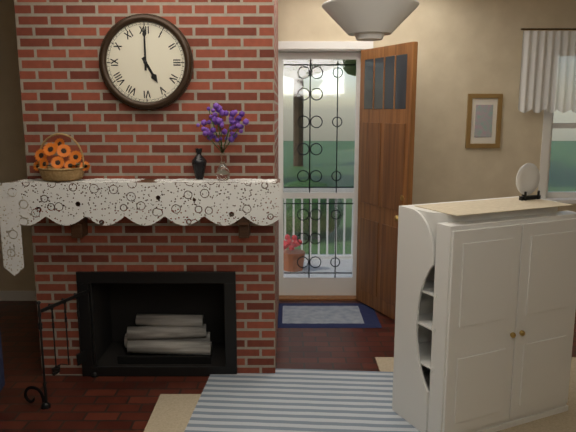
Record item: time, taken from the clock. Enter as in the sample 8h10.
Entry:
5h00
